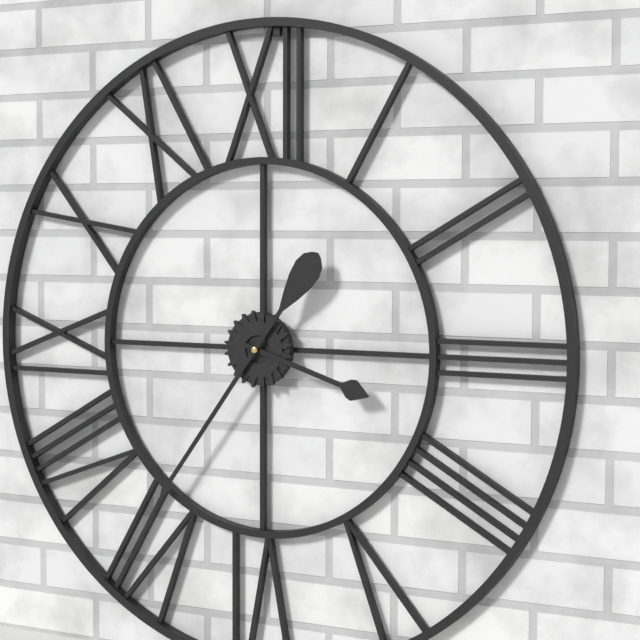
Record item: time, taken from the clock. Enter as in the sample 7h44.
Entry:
3h36
